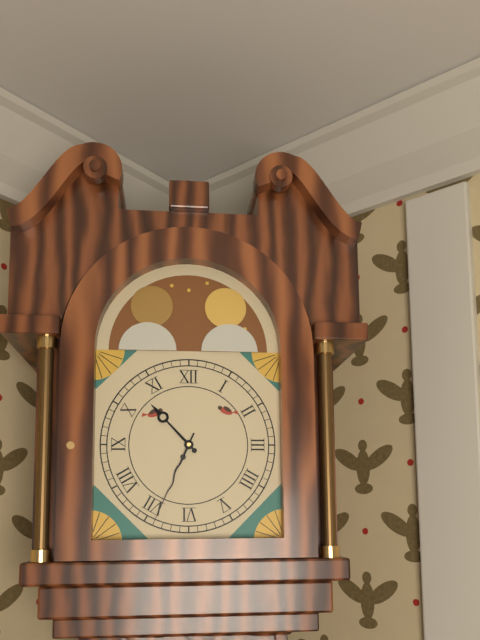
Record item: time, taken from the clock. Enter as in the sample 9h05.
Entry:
10h34
